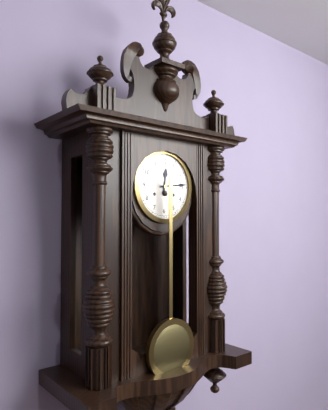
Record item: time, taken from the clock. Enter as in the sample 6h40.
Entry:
12h14
